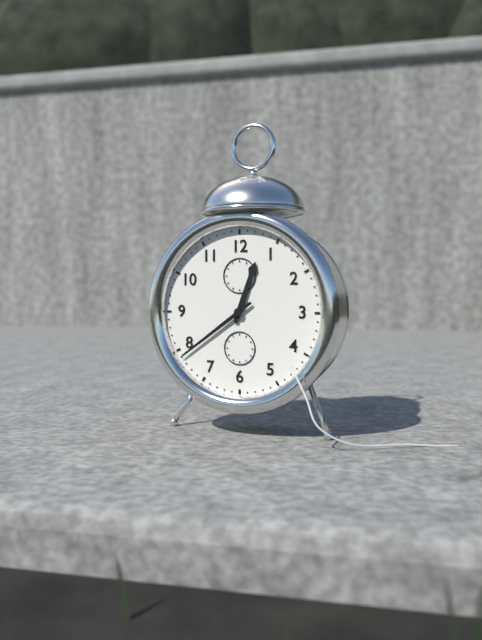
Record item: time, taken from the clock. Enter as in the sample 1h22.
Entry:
12h39
